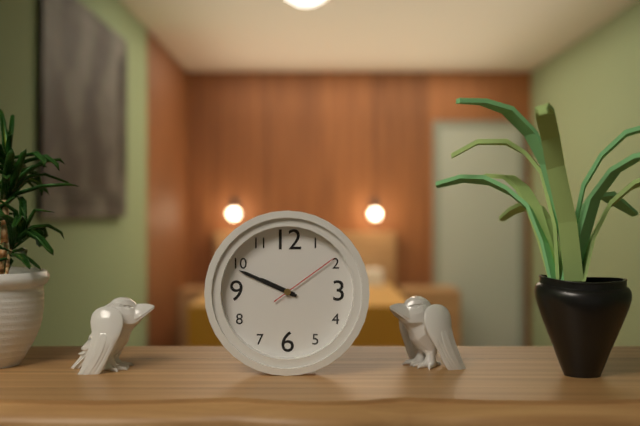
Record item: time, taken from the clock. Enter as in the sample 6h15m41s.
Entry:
9h49m09s
